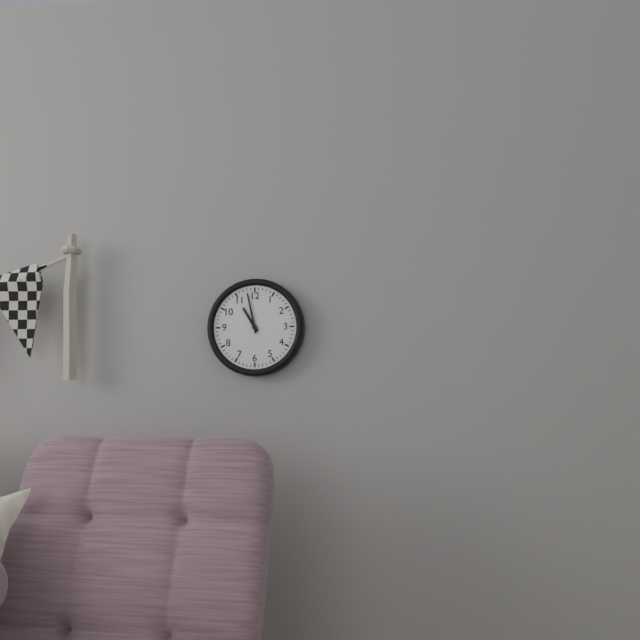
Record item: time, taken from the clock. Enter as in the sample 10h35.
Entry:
10h58
